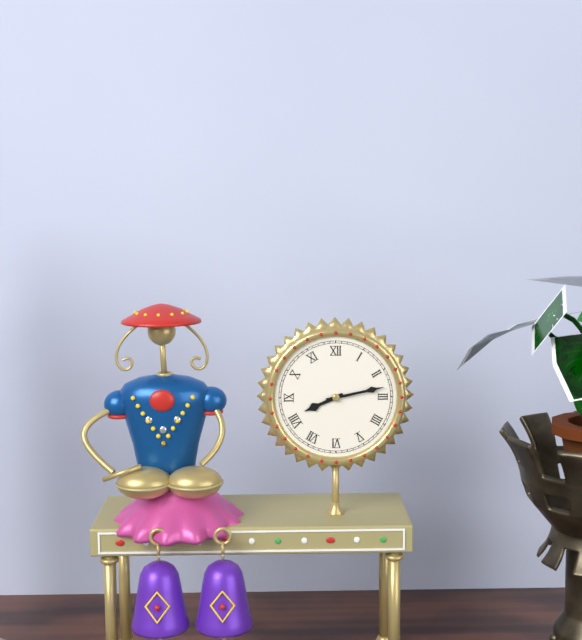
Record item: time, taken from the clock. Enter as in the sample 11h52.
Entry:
8h13
